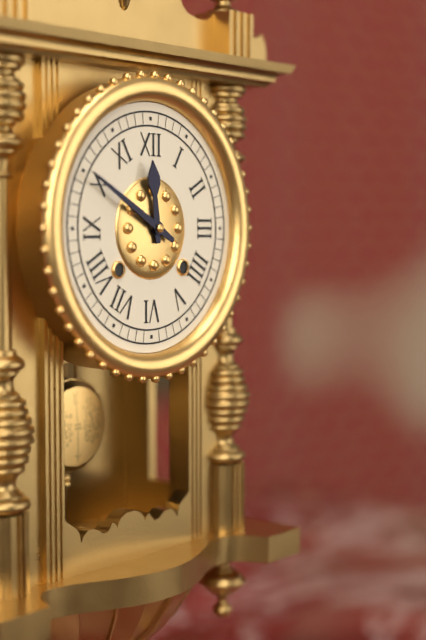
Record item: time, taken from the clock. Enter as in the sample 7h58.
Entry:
11h50
